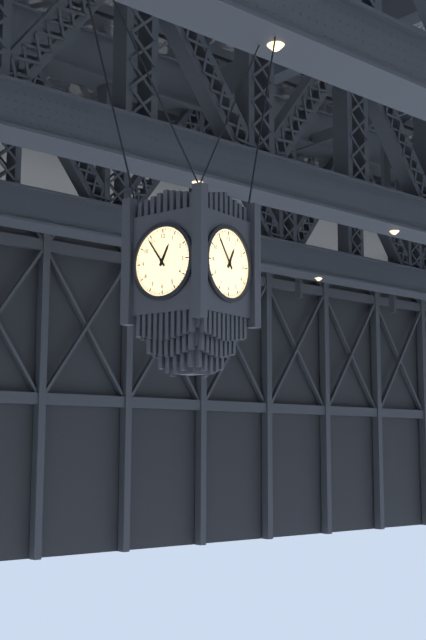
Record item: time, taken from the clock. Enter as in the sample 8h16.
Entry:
12h54
